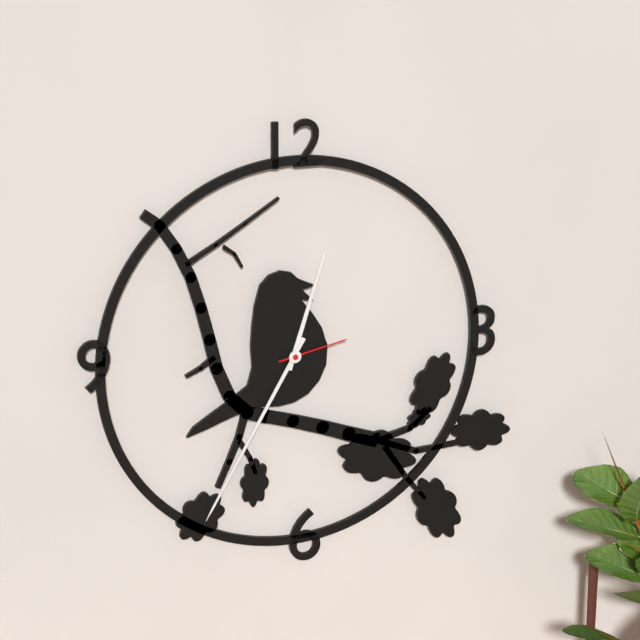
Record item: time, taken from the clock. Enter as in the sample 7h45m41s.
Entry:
12h35m13s
